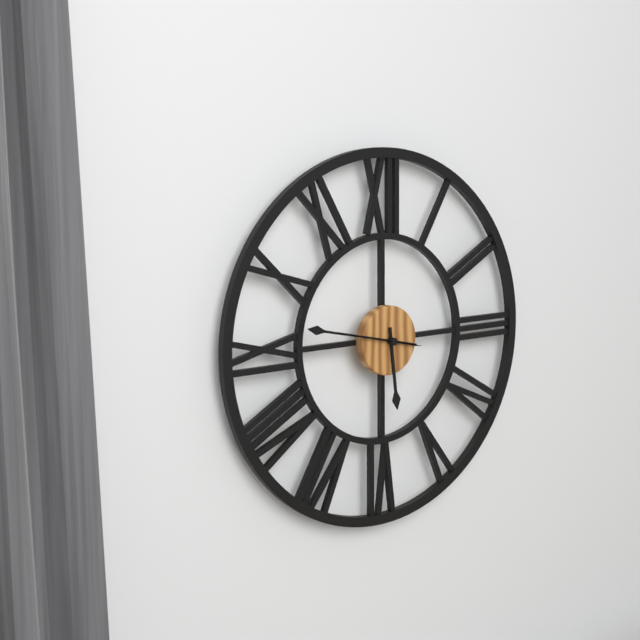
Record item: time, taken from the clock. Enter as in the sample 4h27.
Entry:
5h47
